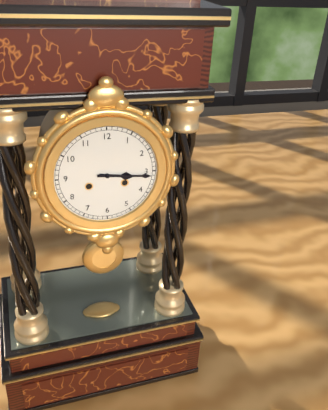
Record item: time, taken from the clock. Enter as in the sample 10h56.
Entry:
3h16
